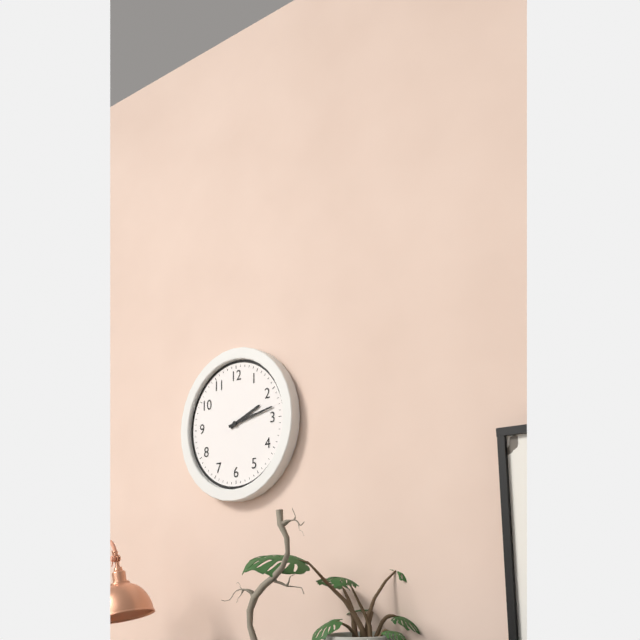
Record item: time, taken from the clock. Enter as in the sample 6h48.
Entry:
2h13
